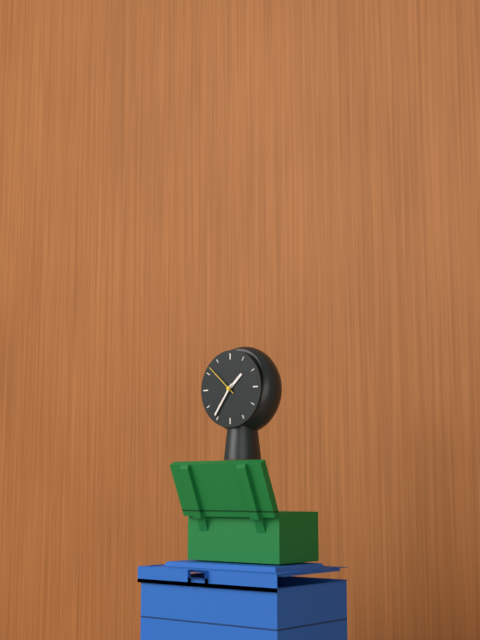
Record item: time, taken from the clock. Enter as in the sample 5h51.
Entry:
1h36
